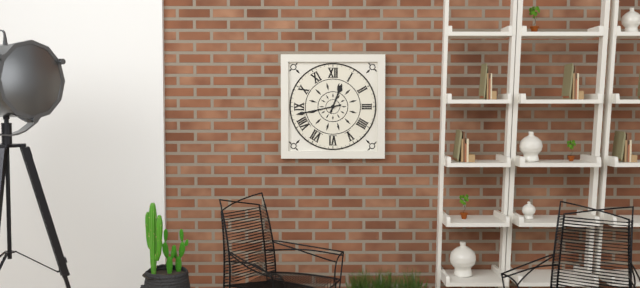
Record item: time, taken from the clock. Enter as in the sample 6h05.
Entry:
12h43
